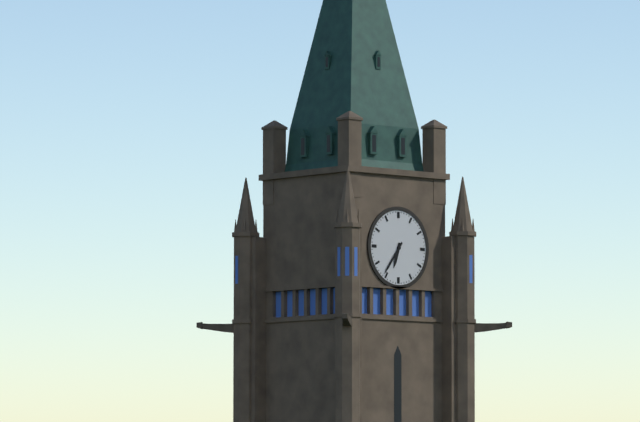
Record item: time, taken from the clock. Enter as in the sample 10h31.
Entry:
6h36
